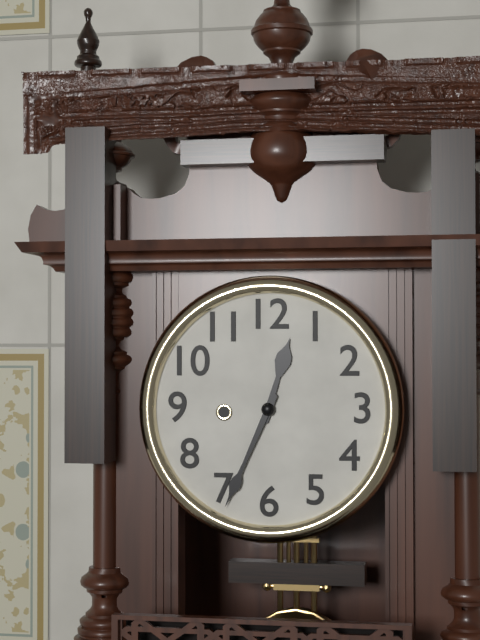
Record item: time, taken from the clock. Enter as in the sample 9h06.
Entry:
12h34
